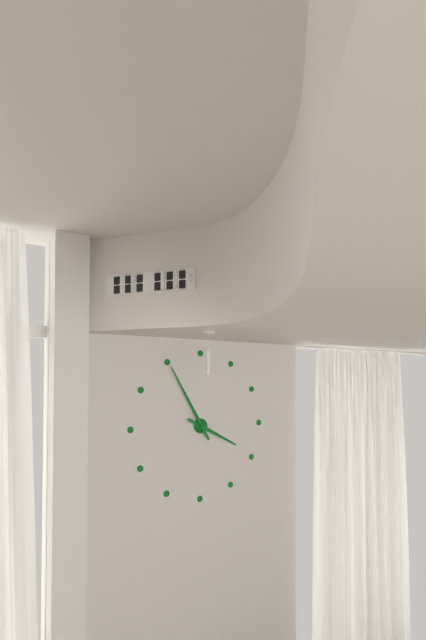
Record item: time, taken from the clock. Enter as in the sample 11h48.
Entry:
3h55
